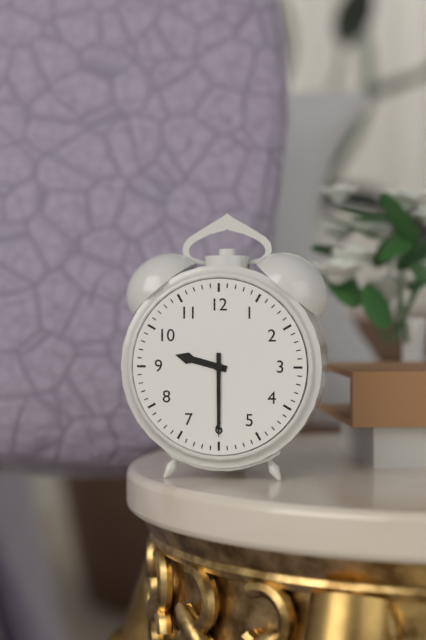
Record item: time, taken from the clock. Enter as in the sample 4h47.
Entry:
9h30
